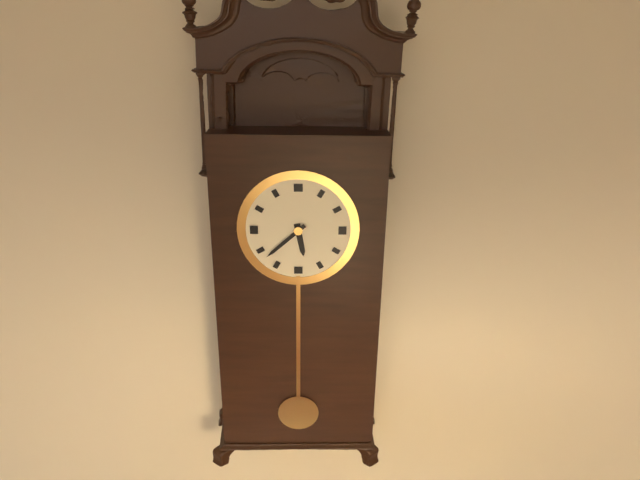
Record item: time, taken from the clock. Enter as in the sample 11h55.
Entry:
5h38
